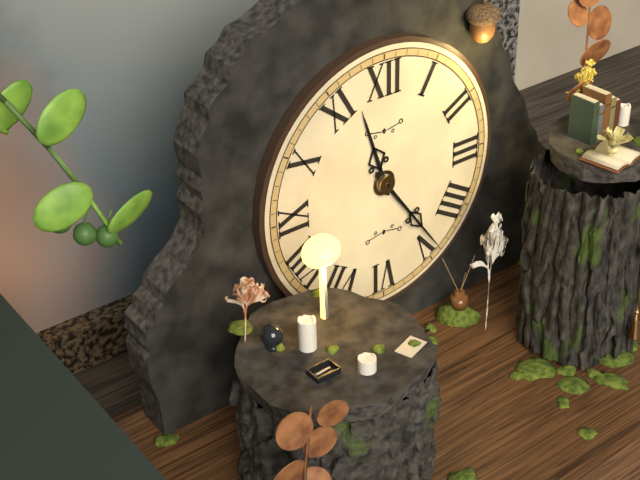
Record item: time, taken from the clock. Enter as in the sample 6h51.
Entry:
11h24
